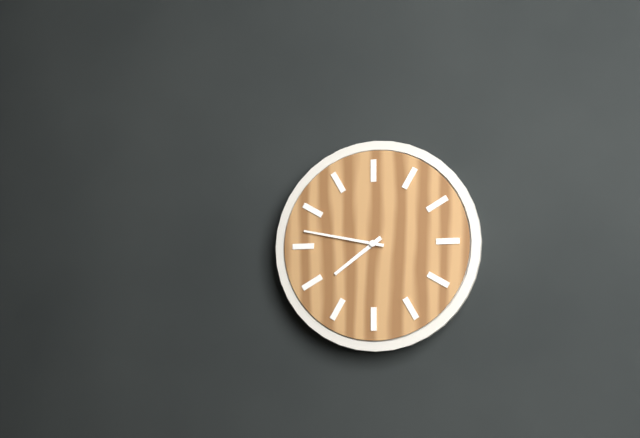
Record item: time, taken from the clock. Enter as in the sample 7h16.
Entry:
7h47
